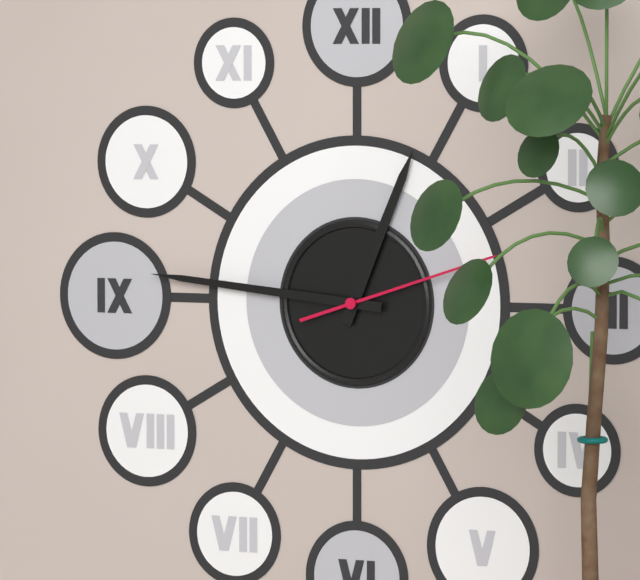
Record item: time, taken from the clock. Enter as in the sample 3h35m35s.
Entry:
12h46m12s
